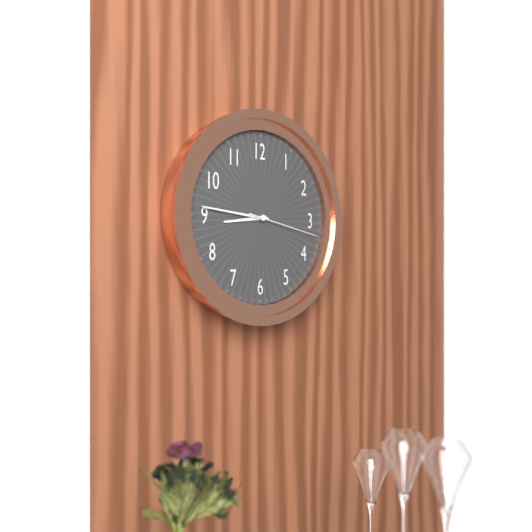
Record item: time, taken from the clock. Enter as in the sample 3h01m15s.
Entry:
8h46m17s
